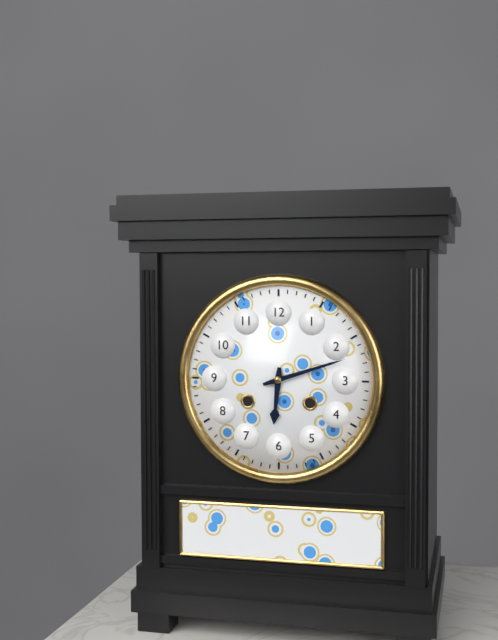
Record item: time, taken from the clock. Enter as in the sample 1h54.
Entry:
6h12
